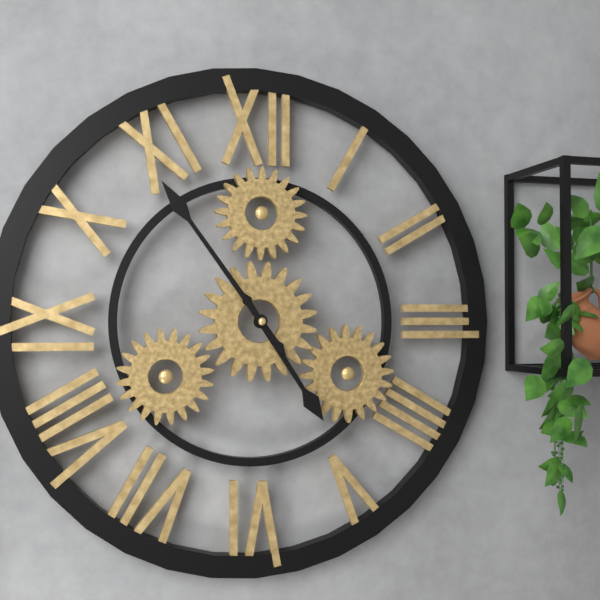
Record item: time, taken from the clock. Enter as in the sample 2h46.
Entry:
4h54
